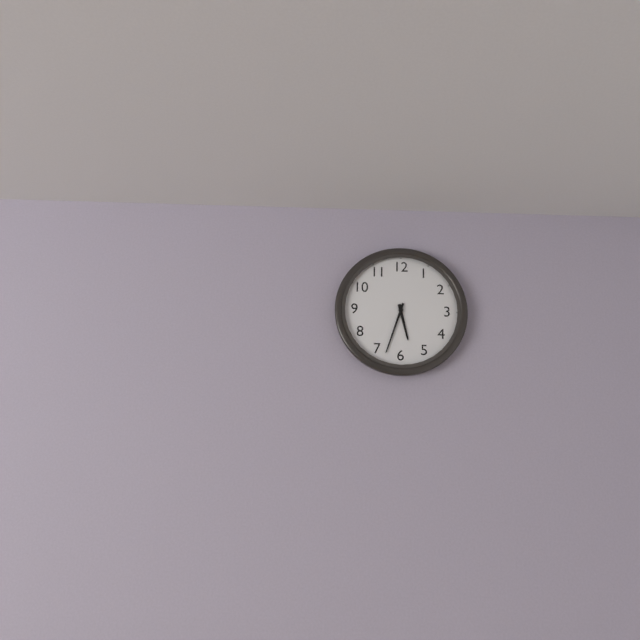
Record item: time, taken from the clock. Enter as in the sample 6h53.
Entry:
5h33
